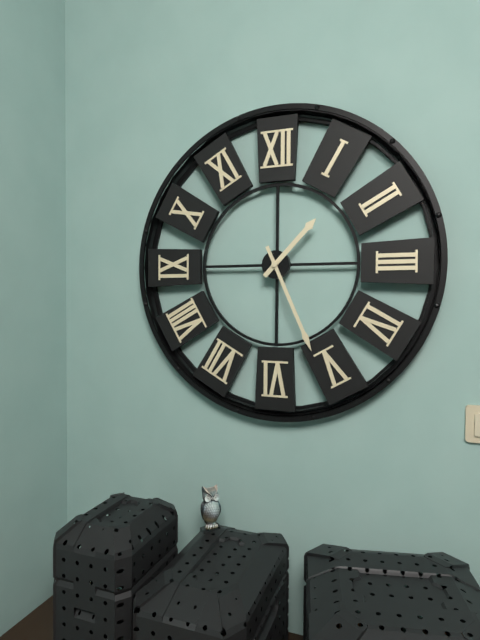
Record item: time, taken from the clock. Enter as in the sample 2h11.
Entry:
1h26
